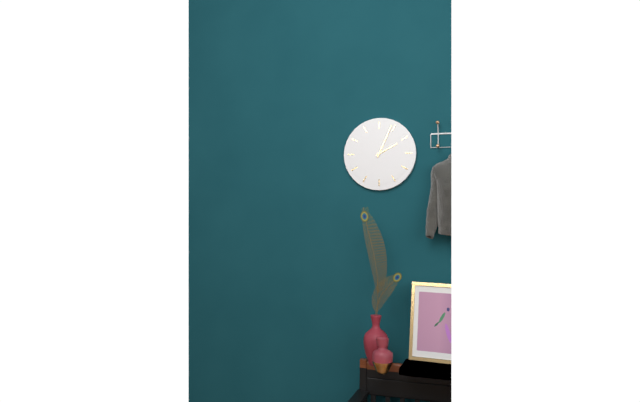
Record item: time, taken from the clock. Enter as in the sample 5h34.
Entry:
2h04
